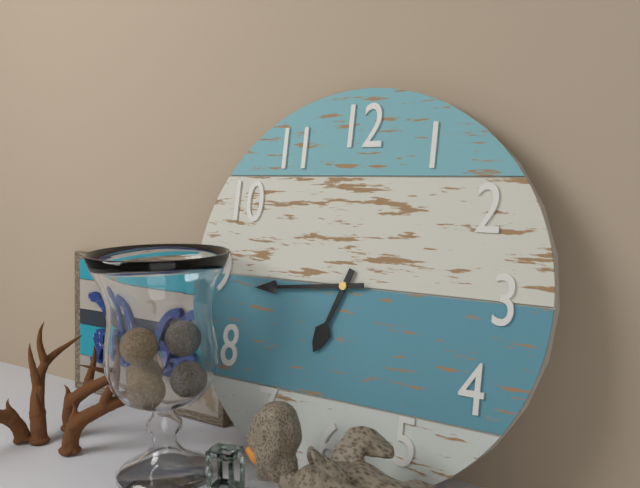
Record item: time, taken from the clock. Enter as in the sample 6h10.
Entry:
6h44
